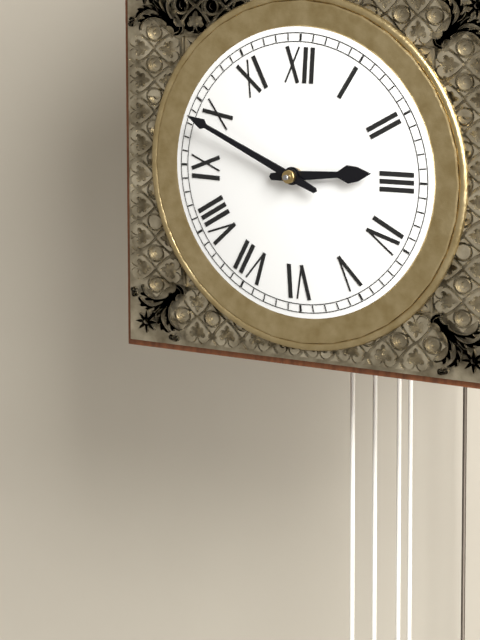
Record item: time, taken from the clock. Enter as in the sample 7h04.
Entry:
2h49
